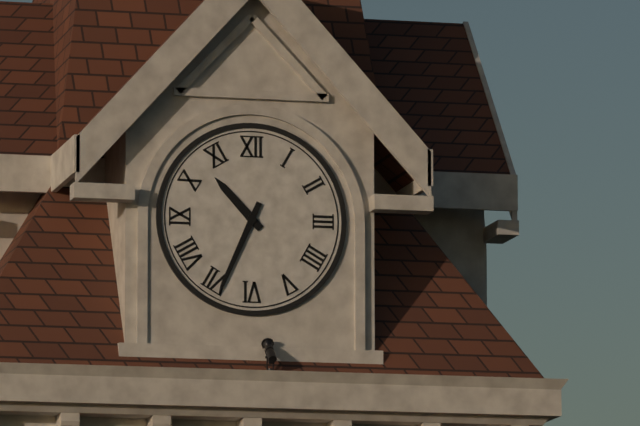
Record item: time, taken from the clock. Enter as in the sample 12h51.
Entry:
10h34
